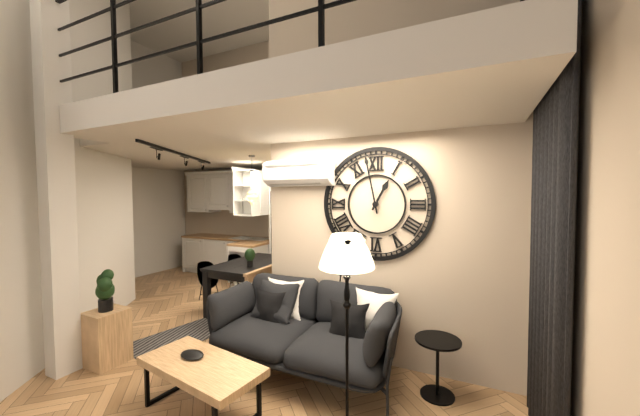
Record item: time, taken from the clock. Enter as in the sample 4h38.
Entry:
12h58
